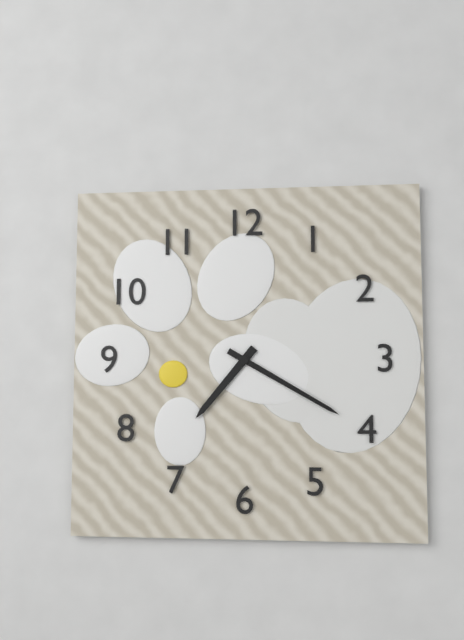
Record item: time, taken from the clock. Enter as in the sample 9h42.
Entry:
7h20
